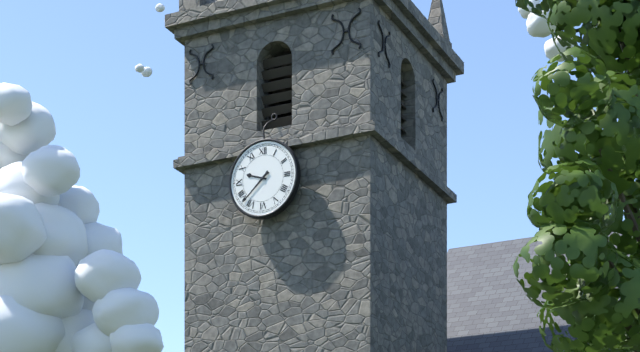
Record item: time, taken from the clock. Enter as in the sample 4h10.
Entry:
9h38
